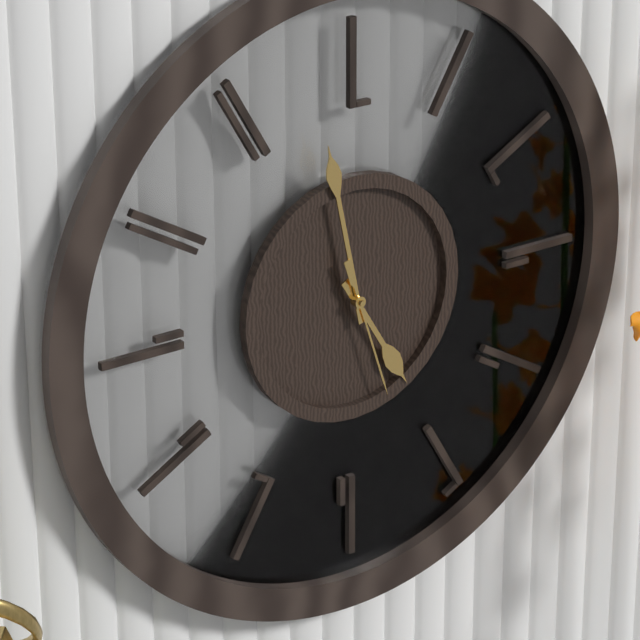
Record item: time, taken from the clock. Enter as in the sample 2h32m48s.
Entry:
4h58m27s
